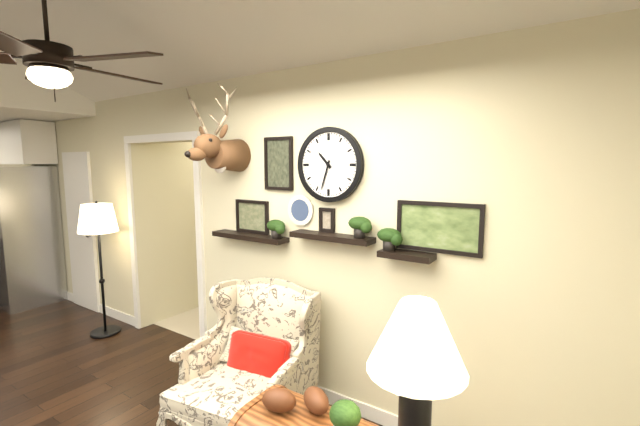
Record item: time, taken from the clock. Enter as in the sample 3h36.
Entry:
10h33
